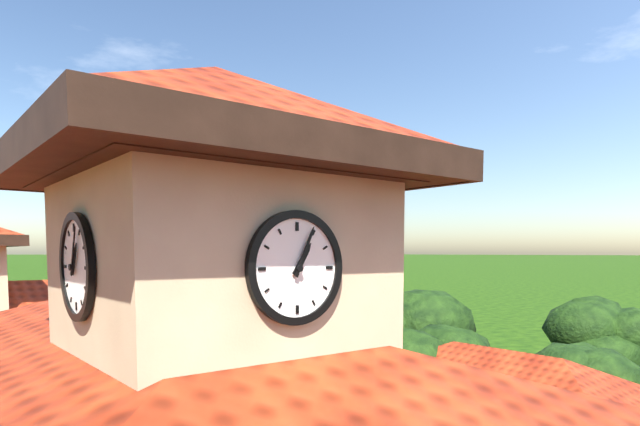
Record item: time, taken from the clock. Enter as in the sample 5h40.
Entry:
1h04
